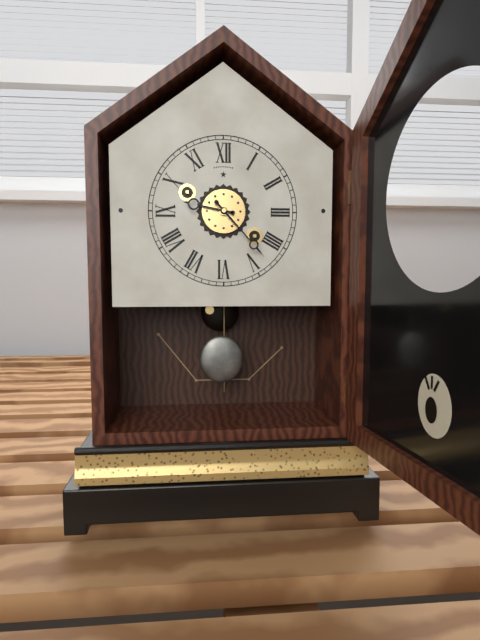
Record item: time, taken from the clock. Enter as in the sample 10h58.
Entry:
9h23
